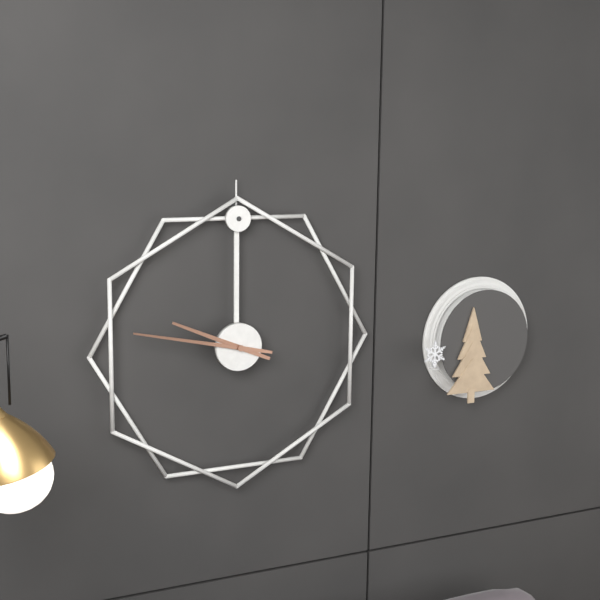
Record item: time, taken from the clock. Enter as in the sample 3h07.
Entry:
9h47
